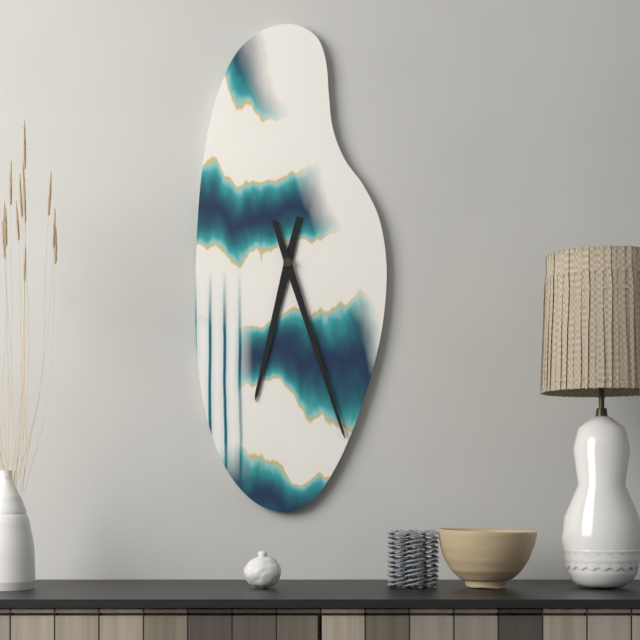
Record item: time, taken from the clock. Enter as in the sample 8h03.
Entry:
6h27
